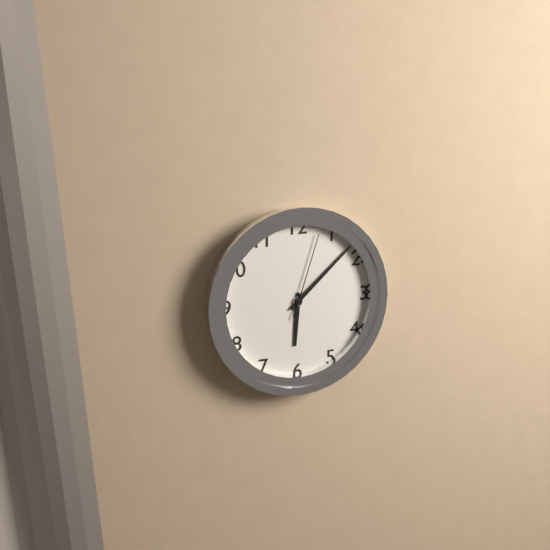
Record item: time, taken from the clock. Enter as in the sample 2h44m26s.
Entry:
6h08m03s
